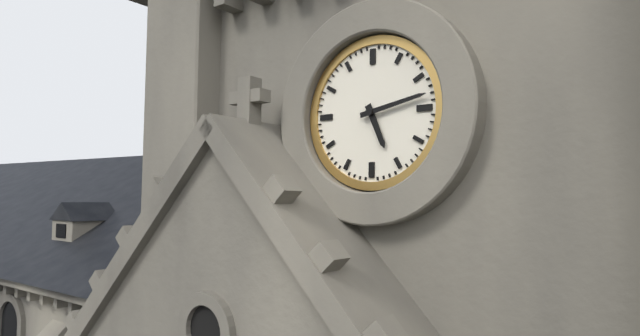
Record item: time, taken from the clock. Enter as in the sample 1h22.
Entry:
5h13
